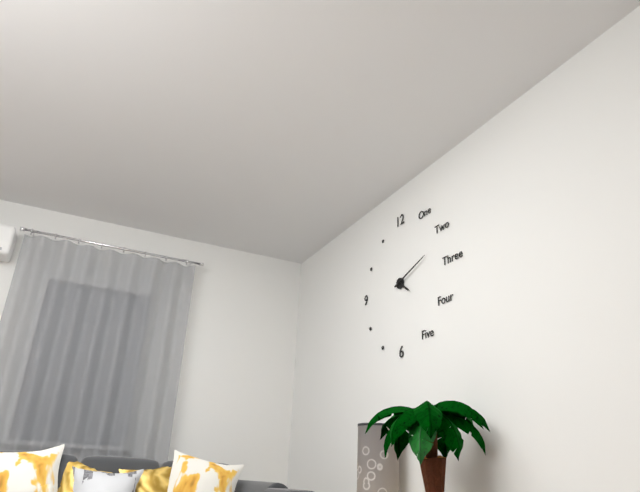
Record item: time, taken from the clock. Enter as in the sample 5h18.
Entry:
4h12
